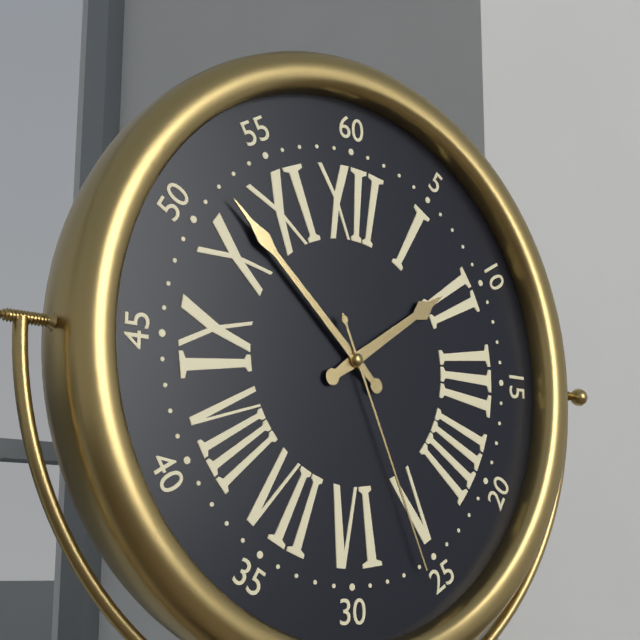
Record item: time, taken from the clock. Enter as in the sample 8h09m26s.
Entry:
1h52m26s
